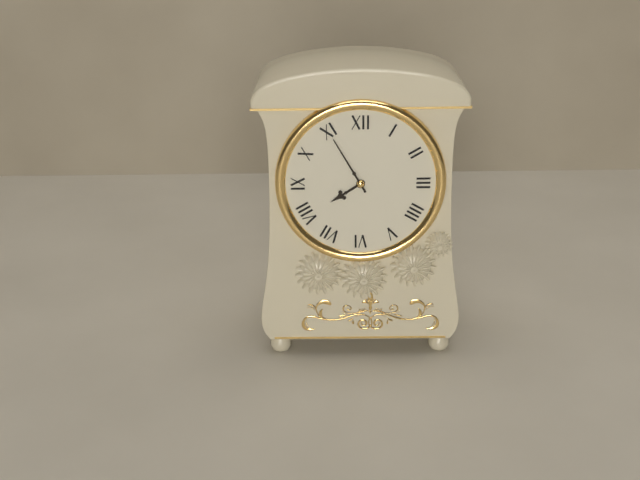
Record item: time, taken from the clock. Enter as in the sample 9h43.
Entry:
7h55
